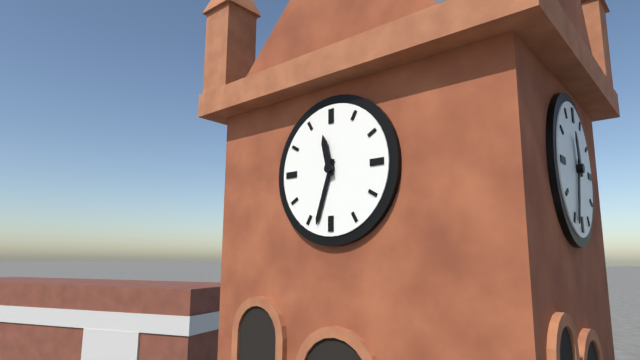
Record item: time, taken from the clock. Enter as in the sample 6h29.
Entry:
11h33
